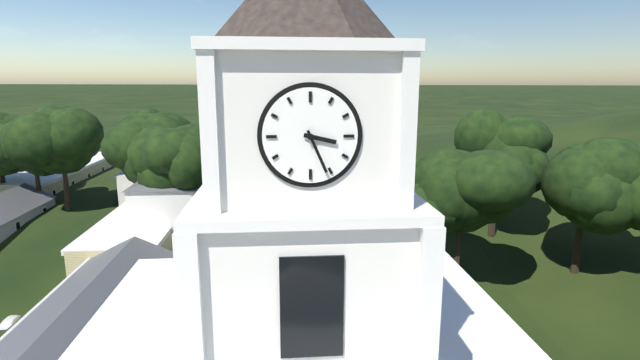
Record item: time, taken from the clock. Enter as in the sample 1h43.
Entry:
3h26
